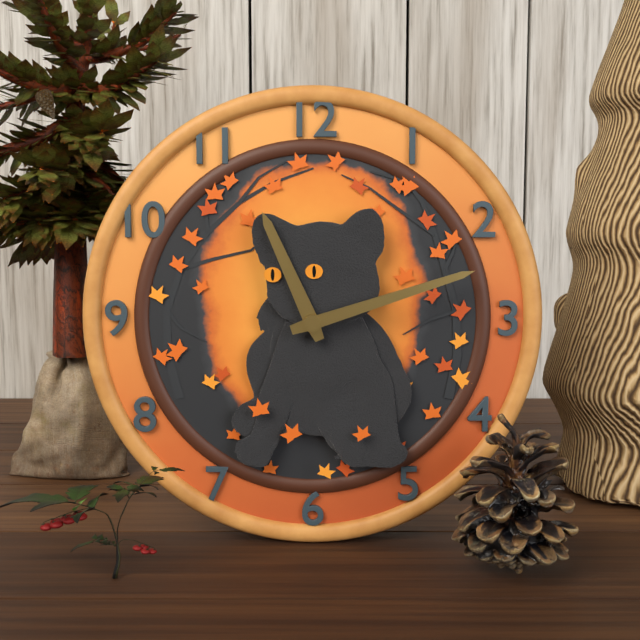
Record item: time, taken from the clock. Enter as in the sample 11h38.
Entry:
11h12
